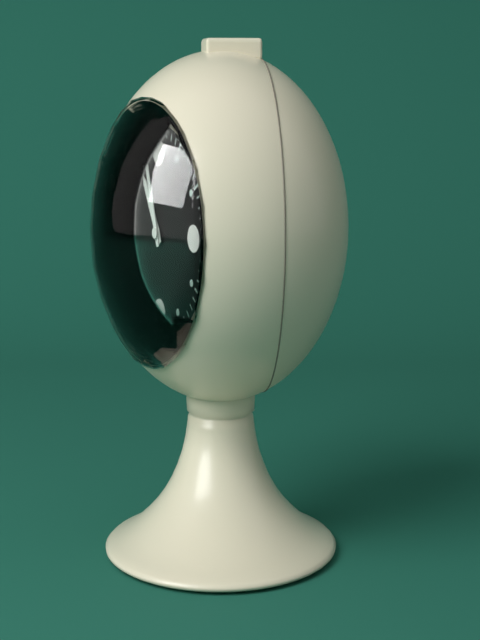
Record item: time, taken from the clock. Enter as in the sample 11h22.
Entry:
10h57
